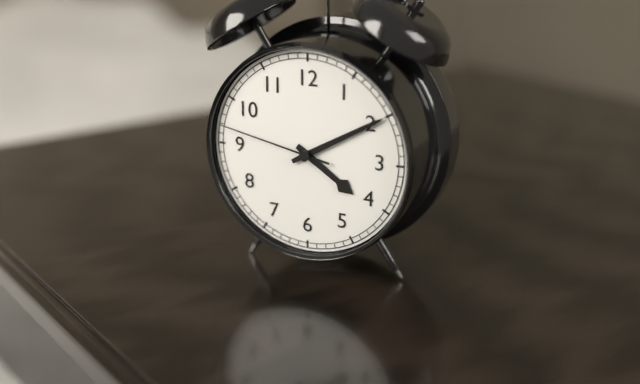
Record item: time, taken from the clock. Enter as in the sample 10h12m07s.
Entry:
4h10m47s
